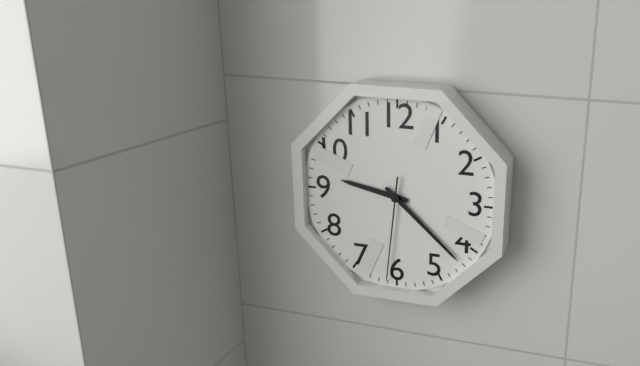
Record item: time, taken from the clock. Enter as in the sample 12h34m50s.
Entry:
9h22m31s
